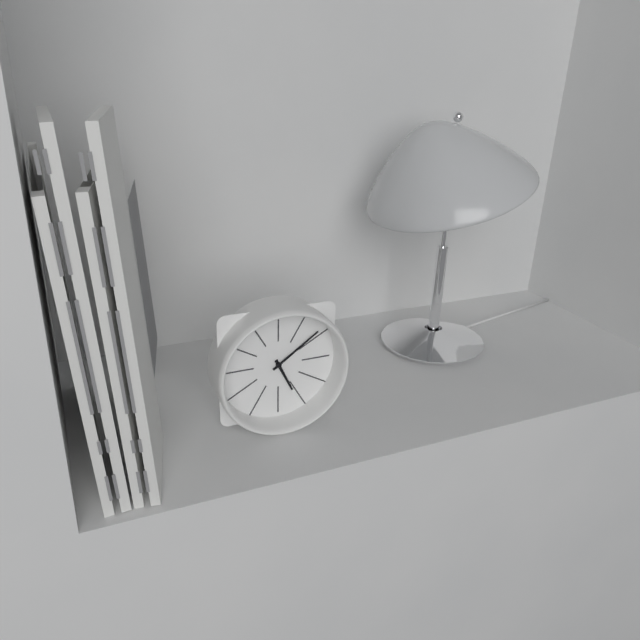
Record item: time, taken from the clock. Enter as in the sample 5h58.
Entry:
5h09
